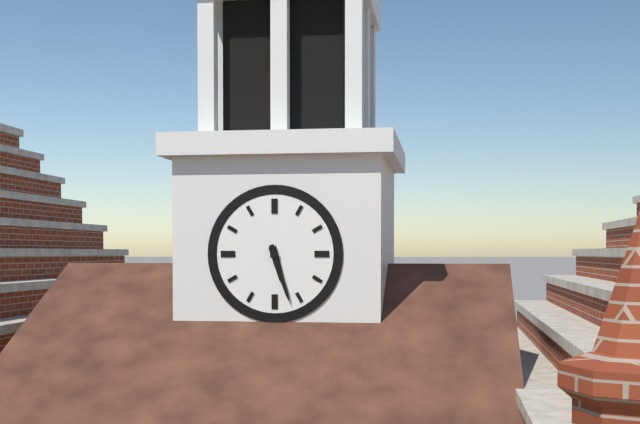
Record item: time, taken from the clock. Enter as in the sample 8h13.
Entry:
5h27
